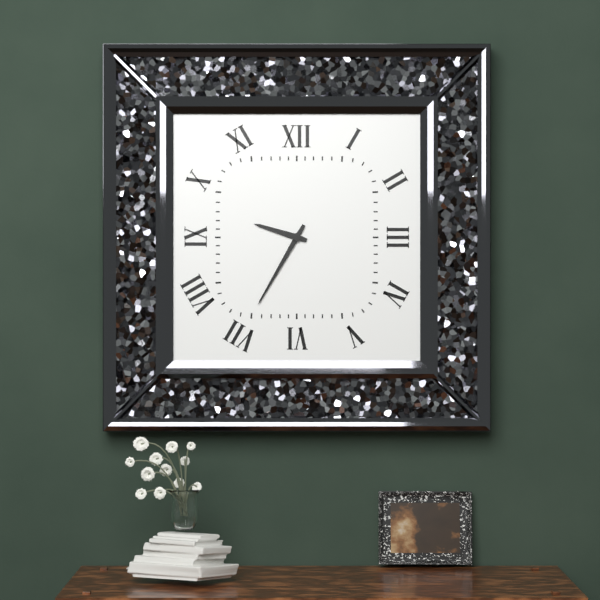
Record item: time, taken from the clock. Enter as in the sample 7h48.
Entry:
9h35
